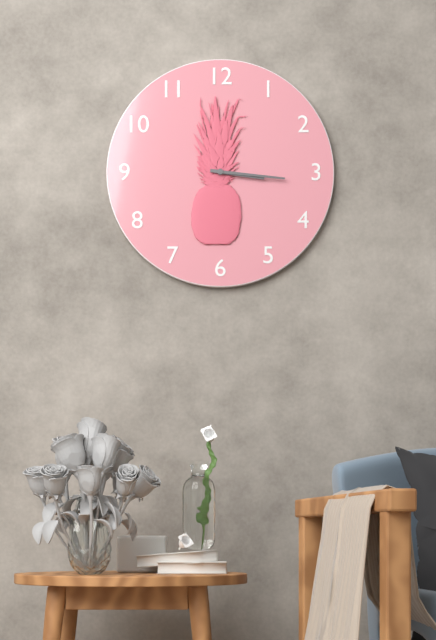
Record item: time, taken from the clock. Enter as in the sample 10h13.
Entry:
3h16
